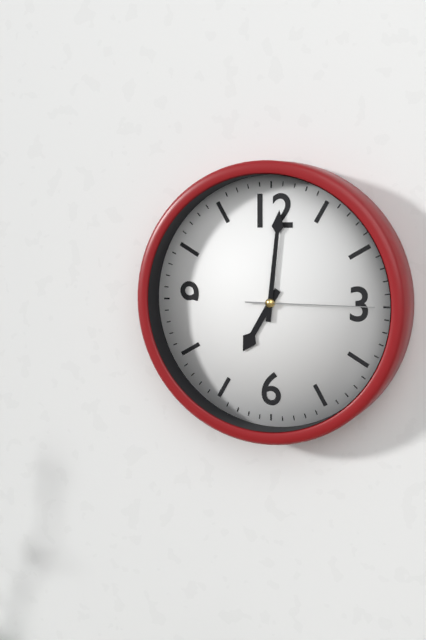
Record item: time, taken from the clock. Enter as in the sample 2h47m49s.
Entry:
7h01m15s
